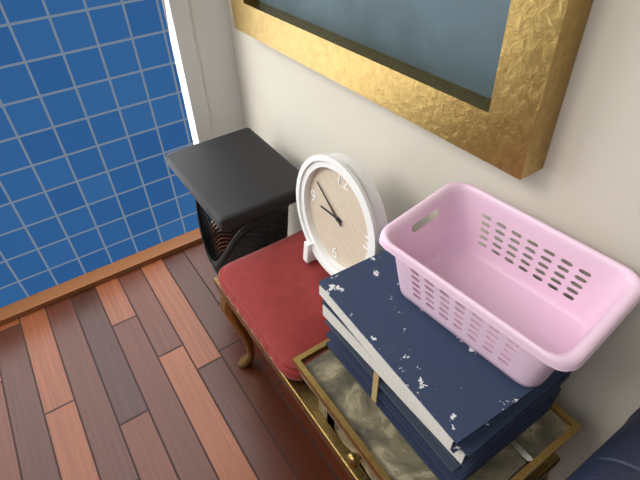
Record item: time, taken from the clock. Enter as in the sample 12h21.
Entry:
8h50
